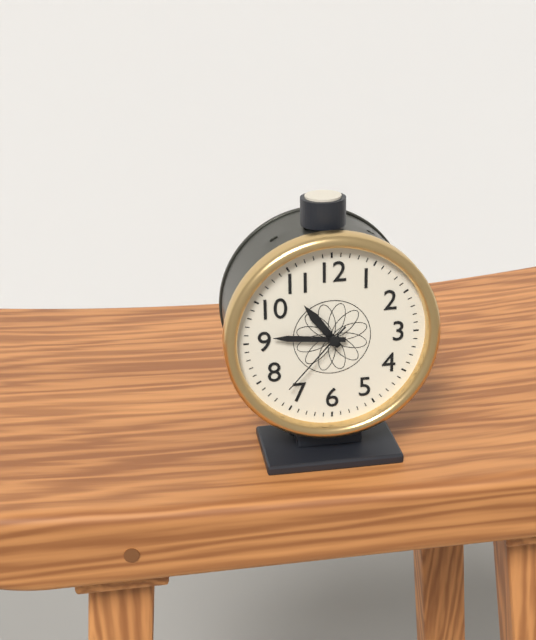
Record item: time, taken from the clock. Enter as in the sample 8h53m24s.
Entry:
10h46m37s
